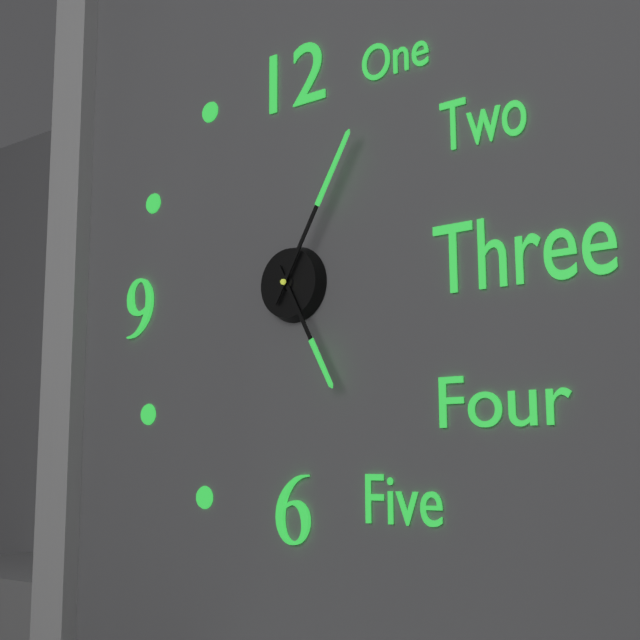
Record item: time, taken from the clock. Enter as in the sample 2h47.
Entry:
5h05
